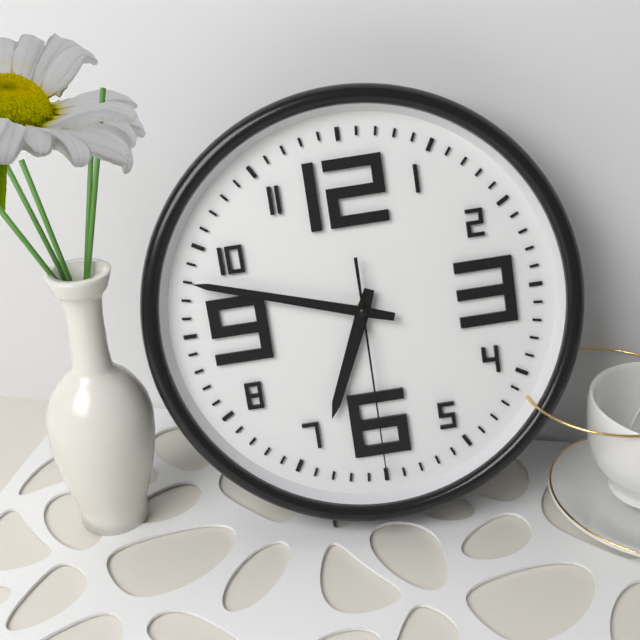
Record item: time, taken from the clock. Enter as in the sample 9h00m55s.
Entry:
6h48m30s
